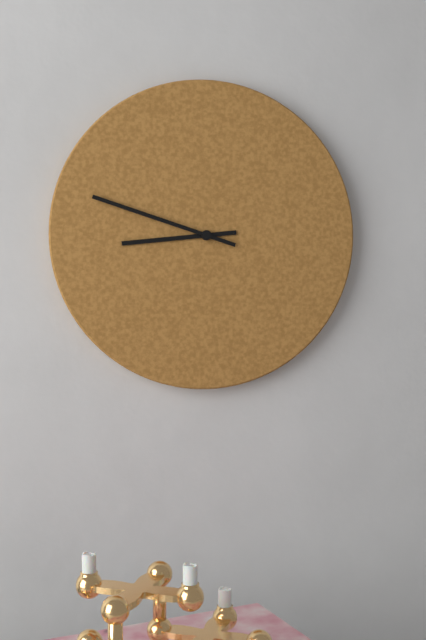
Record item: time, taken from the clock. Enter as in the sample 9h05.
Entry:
8h48
